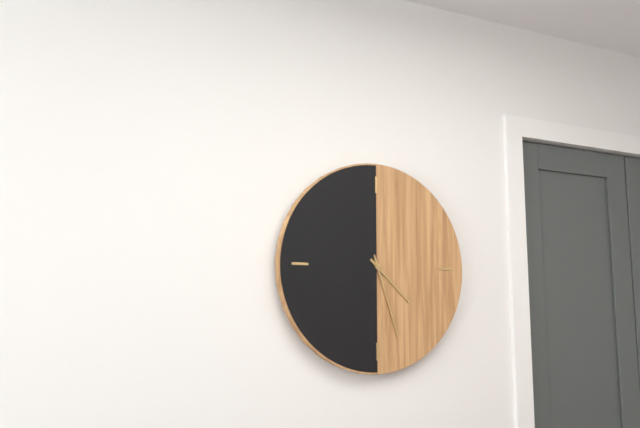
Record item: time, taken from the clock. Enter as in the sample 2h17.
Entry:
4h27
